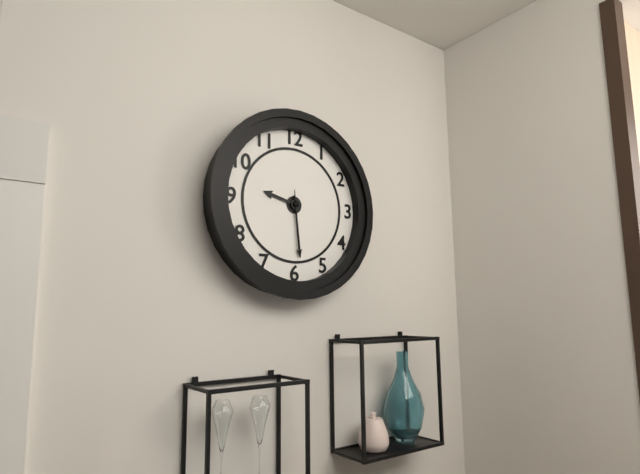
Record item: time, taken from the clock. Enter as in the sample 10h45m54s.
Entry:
9h29m29s
